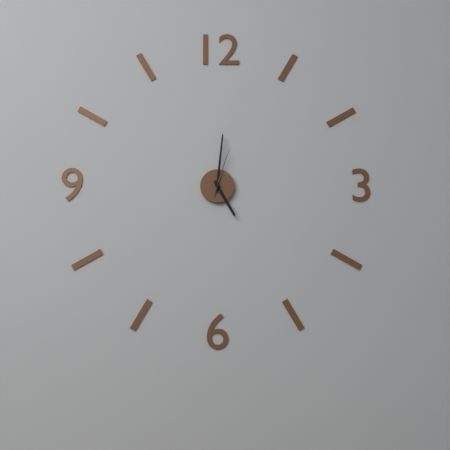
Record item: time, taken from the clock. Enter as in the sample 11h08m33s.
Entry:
5h01m03s
